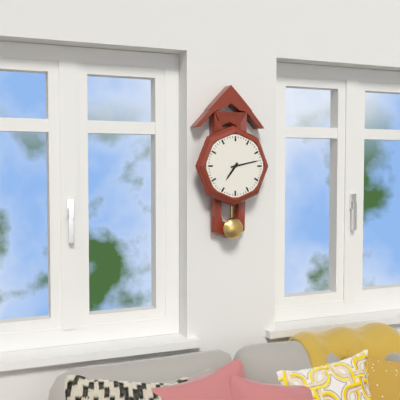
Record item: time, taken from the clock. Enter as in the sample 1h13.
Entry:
7h13
